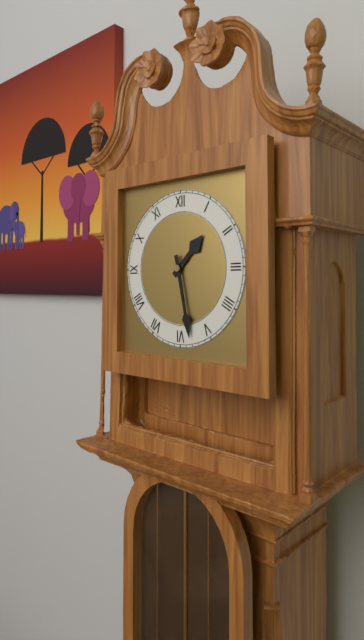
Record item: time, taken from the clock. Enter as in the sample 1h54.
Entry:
1h28
